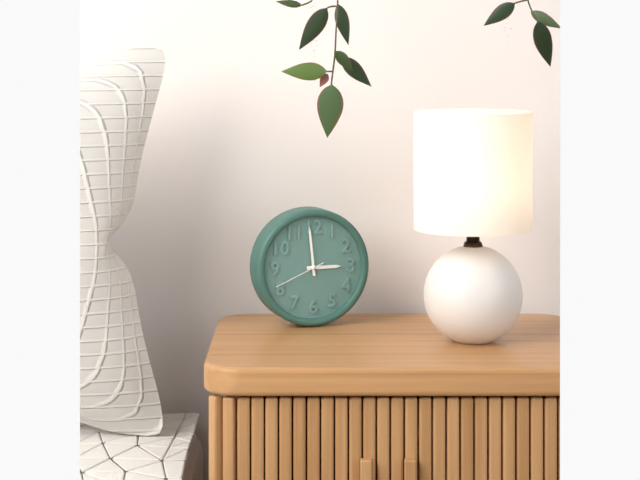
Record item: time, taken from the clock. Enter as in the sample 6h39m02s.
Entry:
2h59m41s
